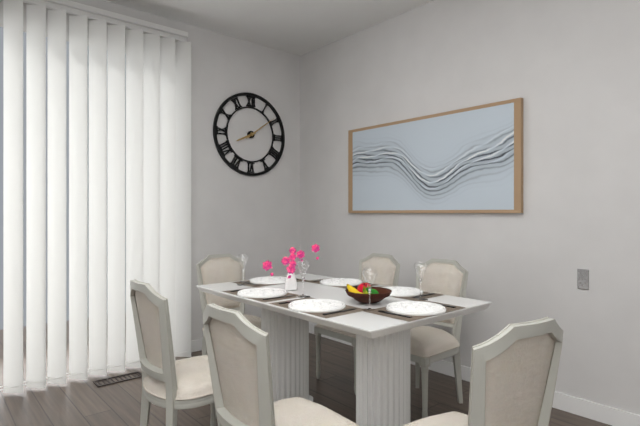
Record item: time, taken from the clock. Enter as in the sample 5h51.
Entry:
8h09
